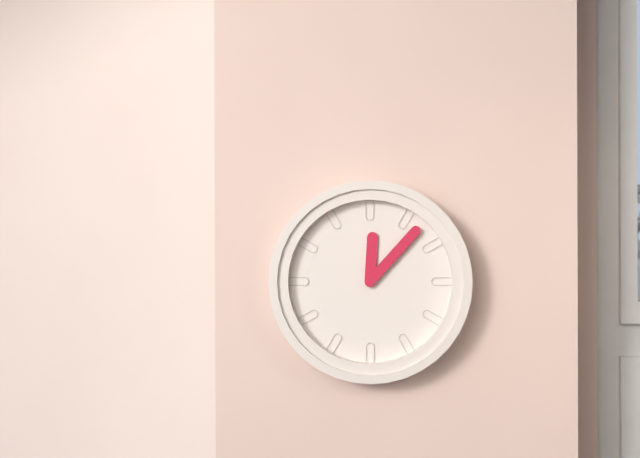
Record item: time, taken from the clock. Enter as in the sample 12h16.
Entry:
12h07
